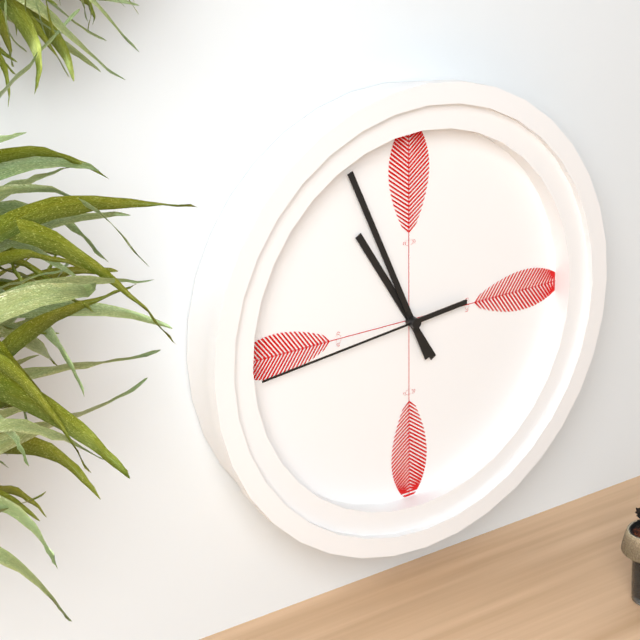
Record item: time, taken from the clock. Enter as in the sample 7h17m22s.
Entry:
10h56m44s
